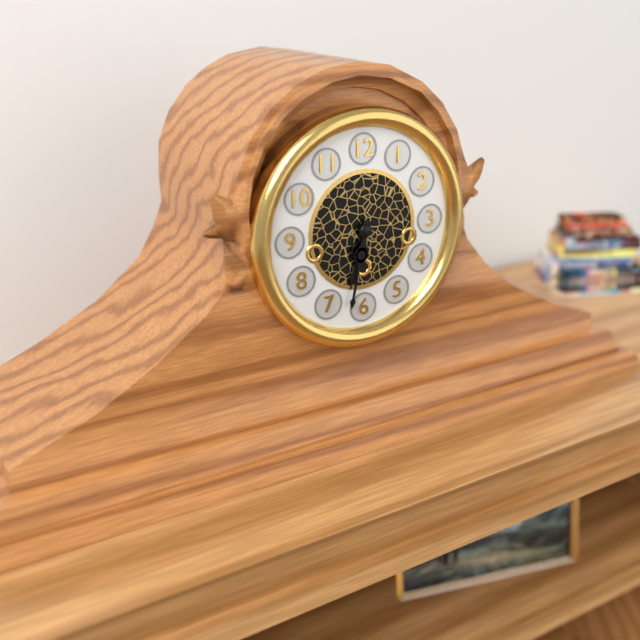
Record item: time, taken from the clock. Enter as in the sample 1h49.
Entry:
6h32
